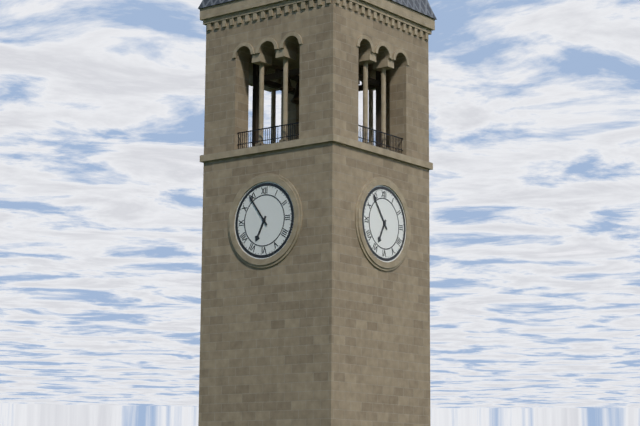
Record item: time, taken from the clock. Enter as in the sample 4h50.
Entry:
6h54
